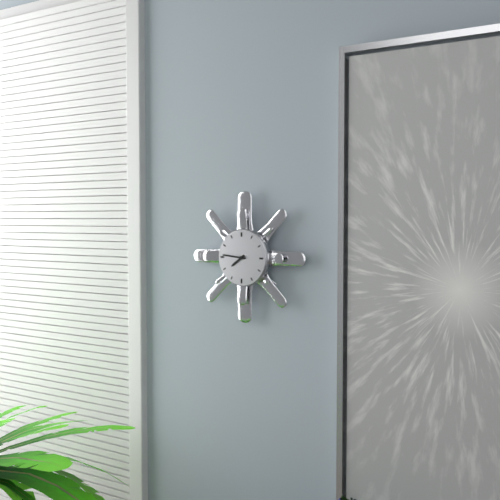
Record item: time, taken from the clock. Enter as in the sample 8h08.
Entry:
7h46
